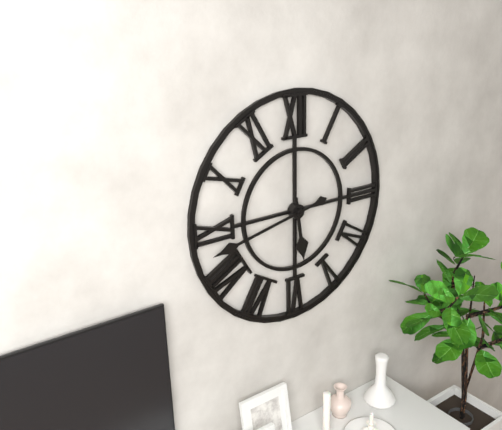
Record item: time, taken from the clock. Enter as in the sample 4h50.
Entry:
5h43
